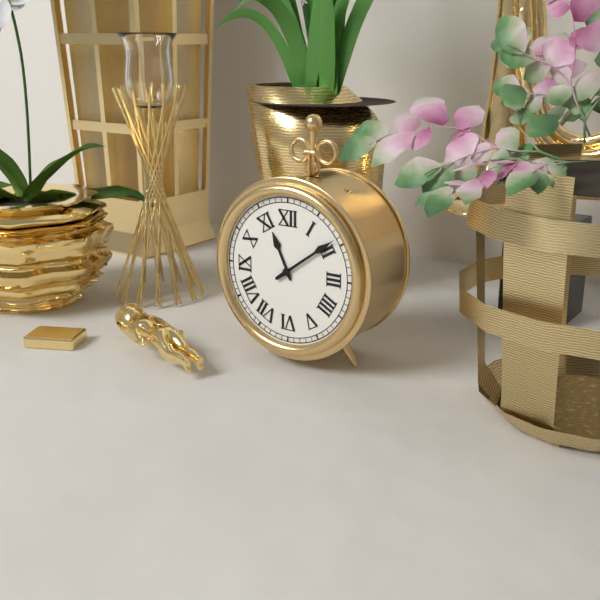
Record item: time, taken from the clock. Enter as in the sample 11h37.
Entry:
11h09
